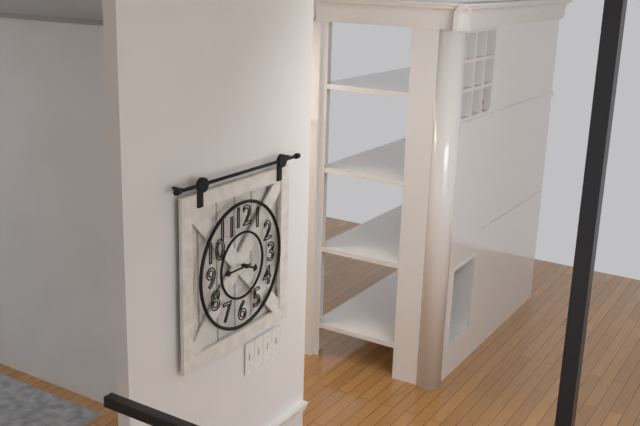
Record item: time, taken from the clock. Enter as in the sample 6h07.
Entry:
3h45
